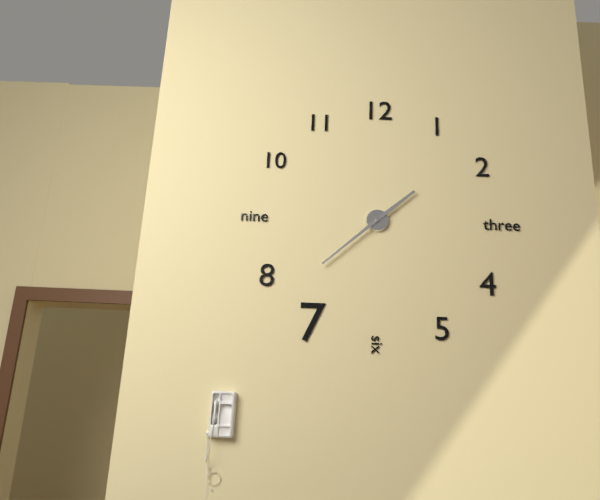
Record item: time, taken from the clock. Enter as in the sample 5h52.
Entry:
1h38
